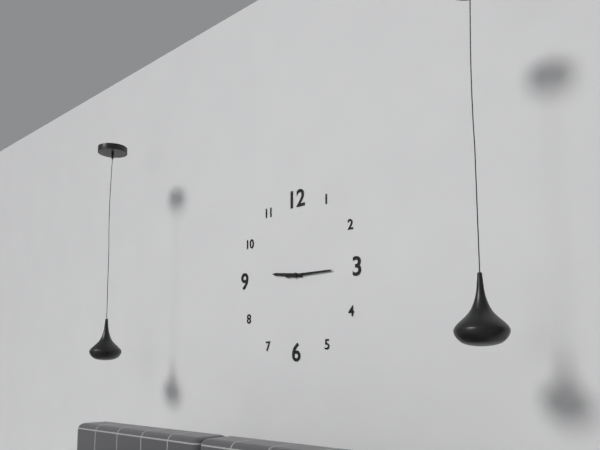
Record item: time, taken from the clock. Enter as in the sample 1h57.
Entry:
9h15
